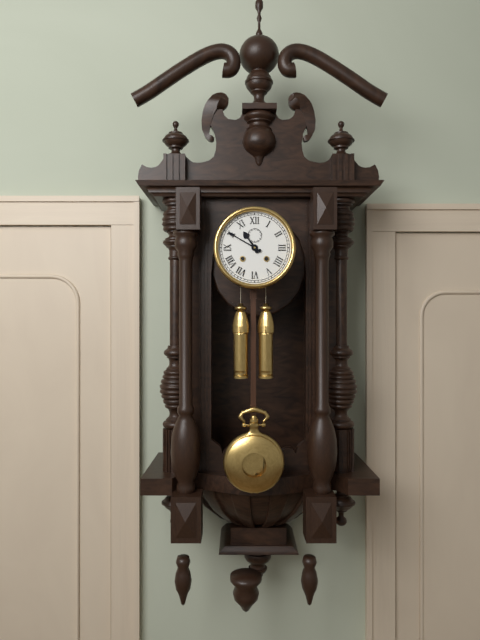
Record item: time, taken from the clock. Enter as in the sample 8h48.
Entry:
10h50
